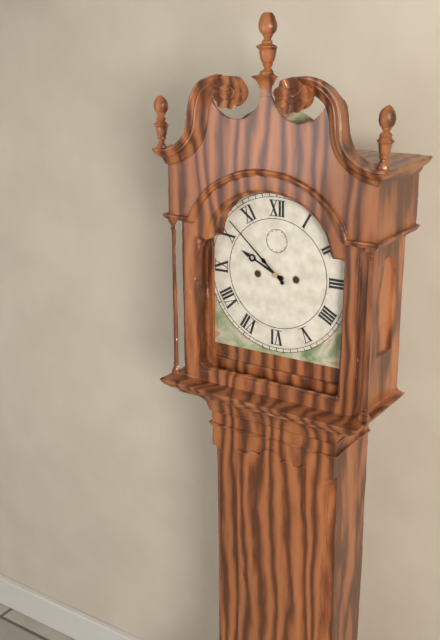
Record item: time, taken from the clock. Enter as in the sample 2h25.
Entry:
9h52
